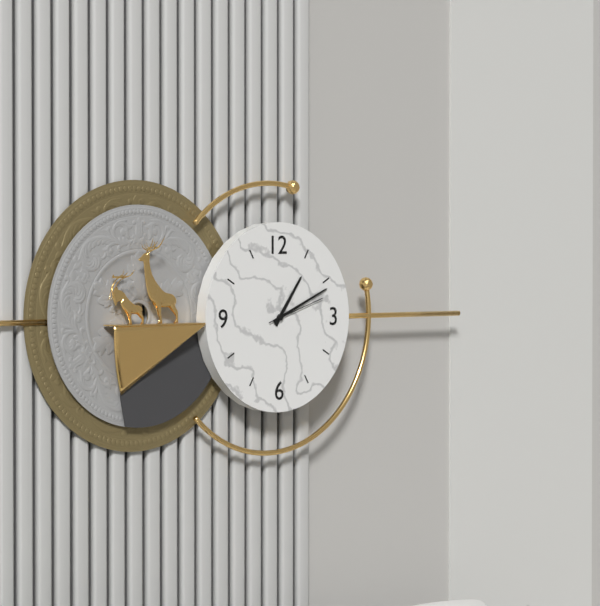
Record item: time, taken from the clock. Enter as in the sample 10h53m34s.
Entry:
1h11m12s
